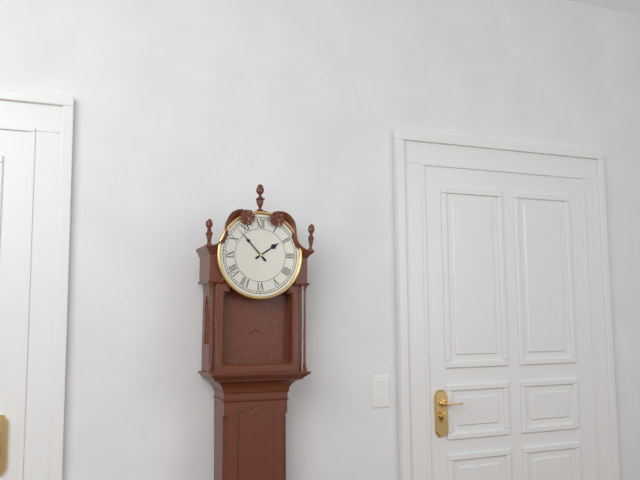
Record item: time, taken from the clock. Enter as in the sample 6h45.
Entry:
1h53
